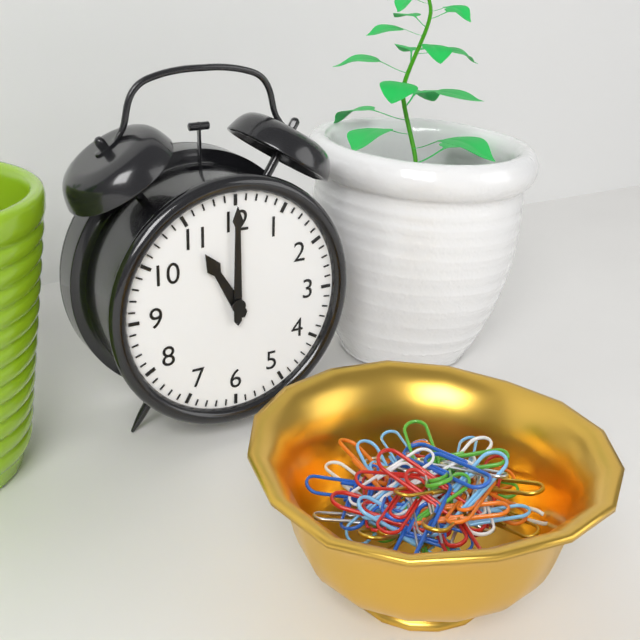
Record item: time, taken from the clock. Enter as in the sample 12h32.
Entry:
11h00
